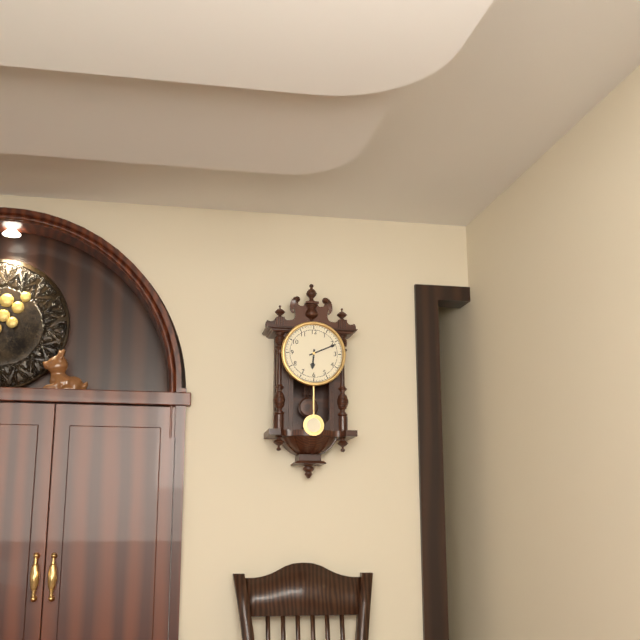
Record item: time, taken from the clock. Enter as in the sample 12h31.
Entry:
6h11
